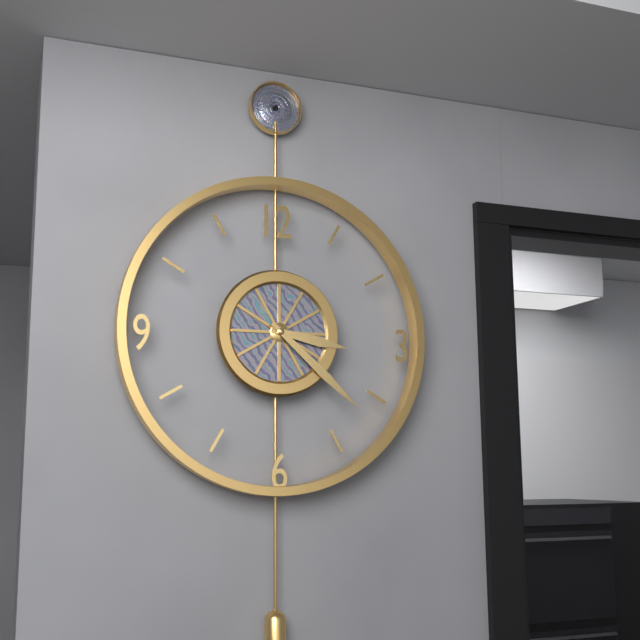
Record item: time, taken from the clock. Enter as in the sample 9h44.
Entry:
3h22
